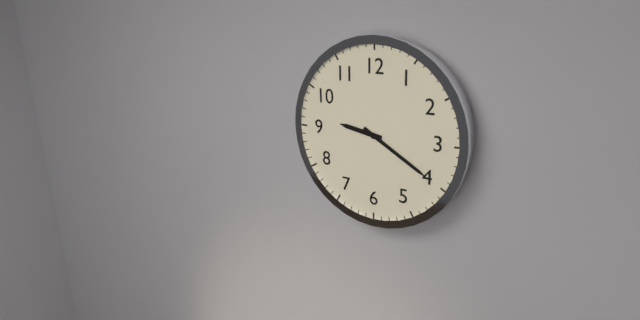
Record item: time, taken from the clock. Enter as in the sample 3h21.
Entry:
9h20
